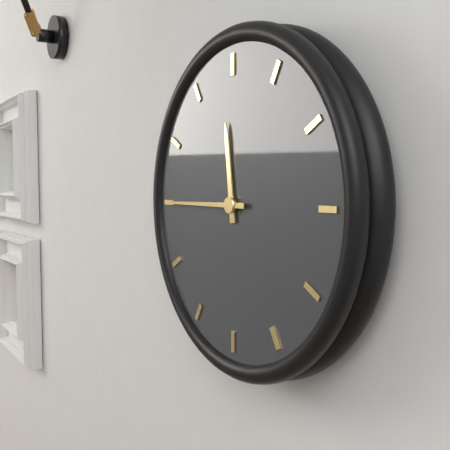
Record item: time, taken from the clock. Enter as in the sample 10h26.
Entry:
11h45
